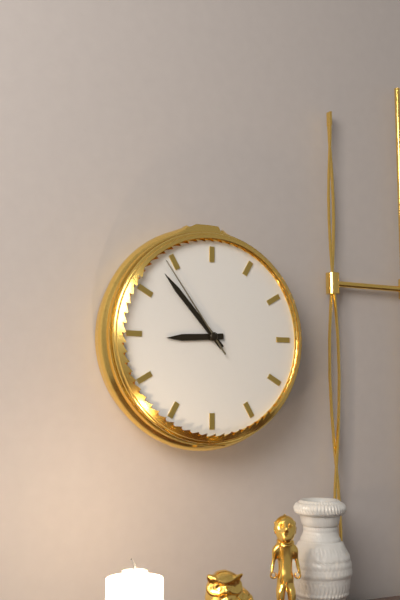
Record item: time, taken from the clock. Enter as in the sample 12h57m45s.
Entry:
8h53m54s
